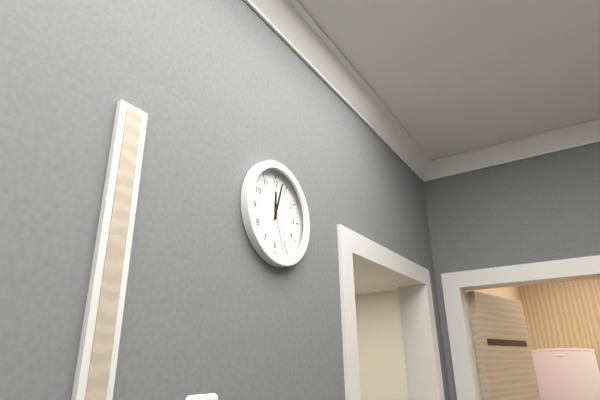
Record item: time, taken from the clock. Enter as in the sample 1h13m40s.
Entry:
12h03m27s
